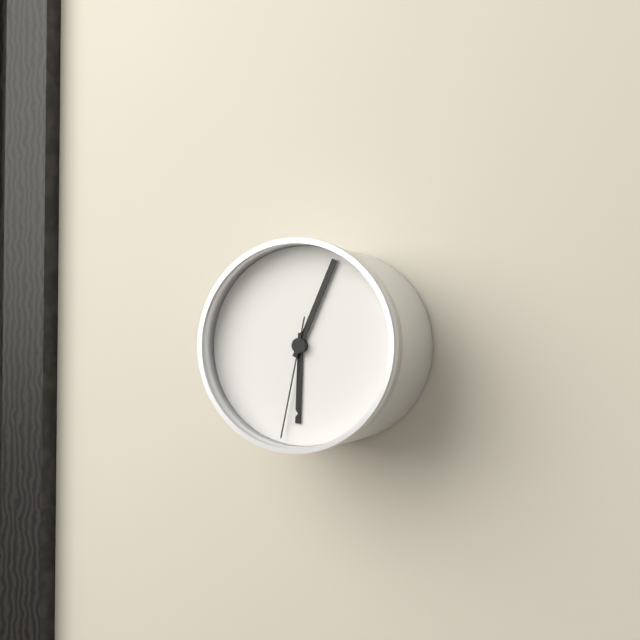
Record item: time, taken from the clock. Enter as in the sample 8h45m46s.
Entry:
6h04m32s
